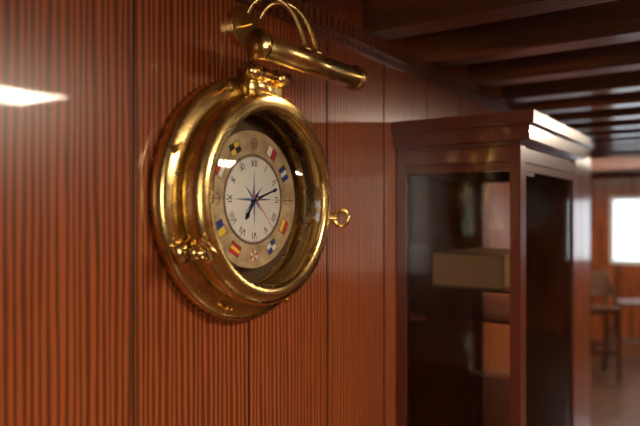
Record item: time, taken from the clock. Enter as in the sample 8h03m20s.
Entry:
7h12m23s
